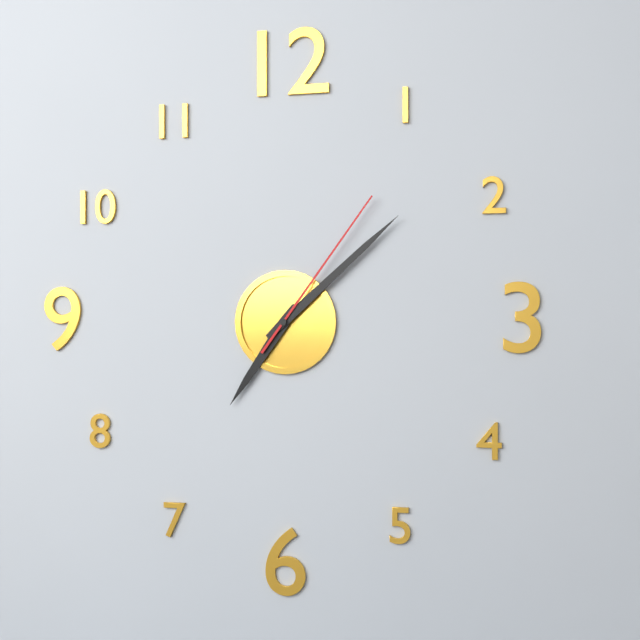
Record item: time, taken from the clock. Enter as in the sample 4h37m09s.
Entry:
7h08m06s
